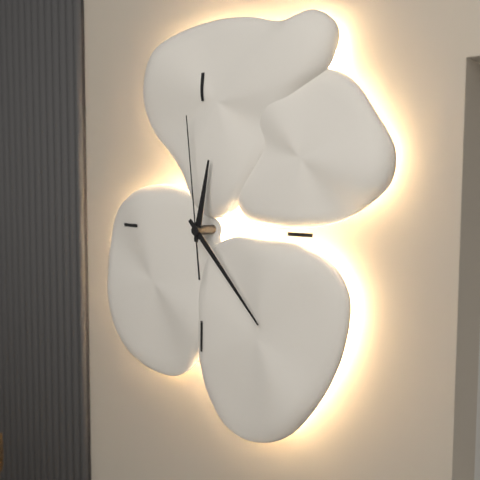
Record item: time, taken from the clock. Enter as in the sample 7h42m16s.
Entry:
12h23m59s
